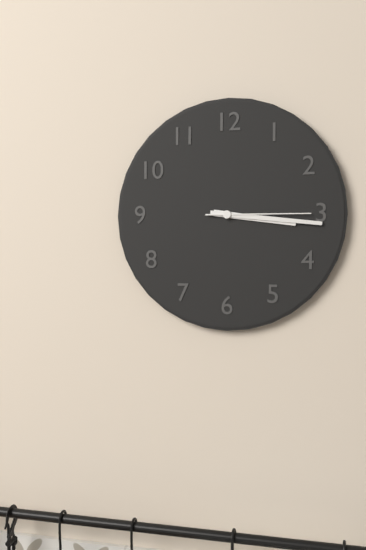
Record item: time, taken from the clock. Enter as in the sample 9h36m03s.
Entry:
3h16m15s
